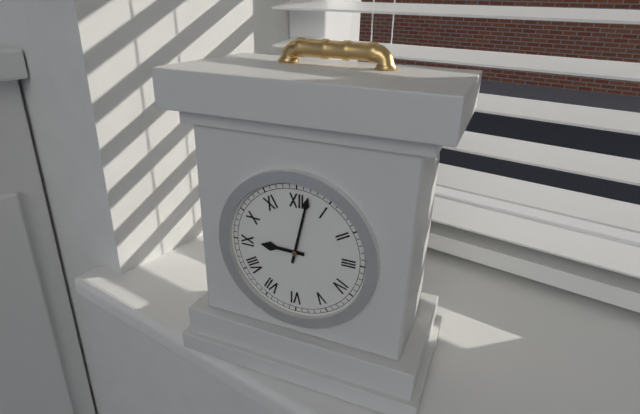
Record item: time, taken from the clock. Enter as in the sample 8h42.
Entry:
9h02
